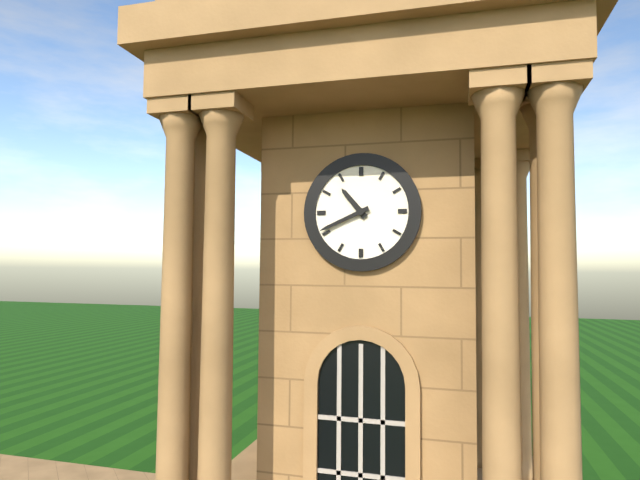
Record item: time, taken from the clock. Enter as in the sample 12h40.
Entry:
10h41
